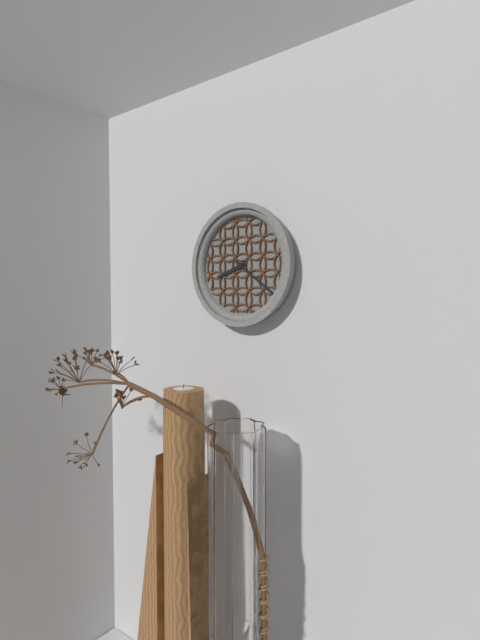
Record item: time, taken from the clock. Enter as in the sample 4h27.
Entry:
8h21
